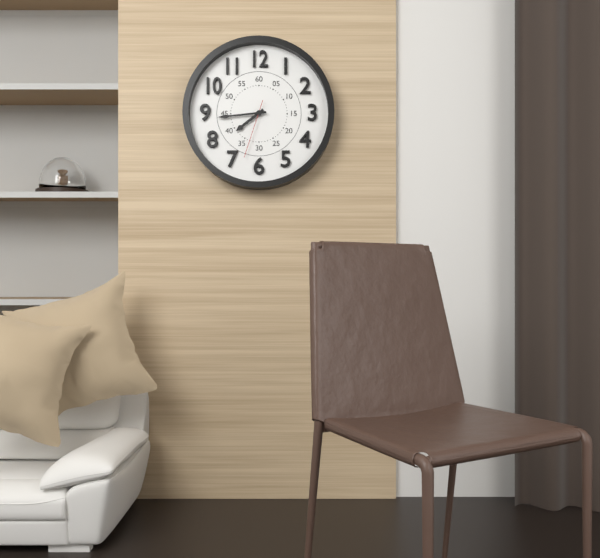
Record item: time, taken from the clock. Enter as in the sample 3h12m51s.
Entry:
7h44m33s
